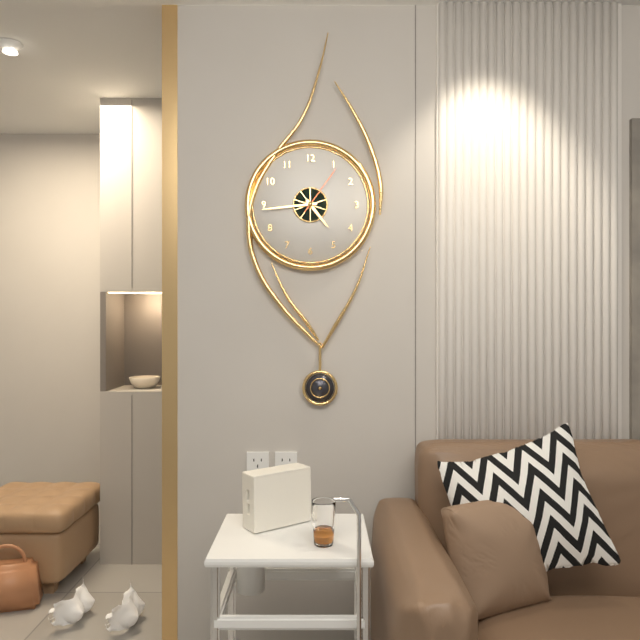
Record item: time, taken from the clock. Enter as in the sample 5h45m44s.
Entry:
4h44m06s
